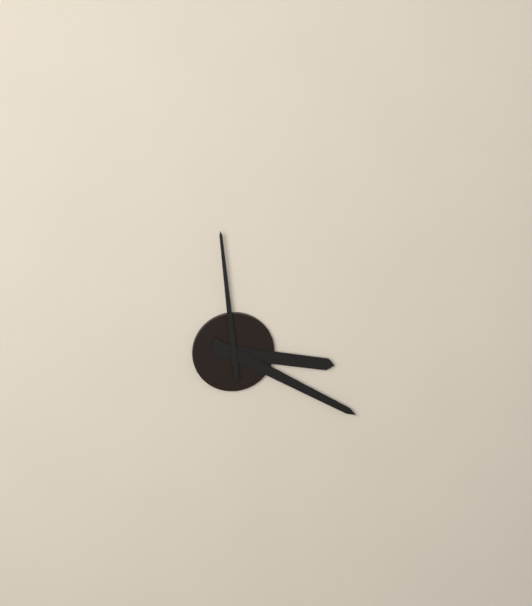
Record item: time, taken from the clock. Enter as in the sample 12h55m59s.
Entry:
3h20m59s
